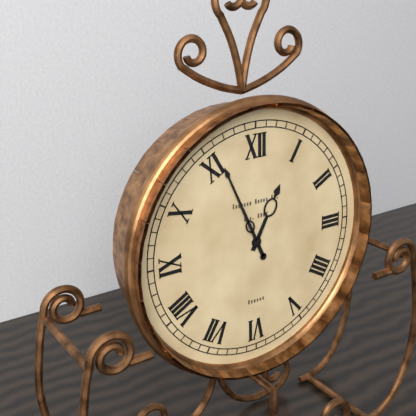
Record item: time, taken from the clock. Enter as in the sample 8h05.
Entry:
12h56
